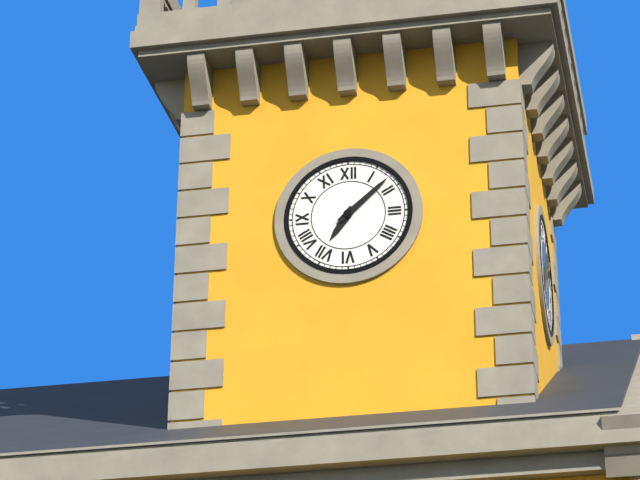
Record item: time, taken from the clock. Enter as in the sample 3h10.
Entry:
7h08
